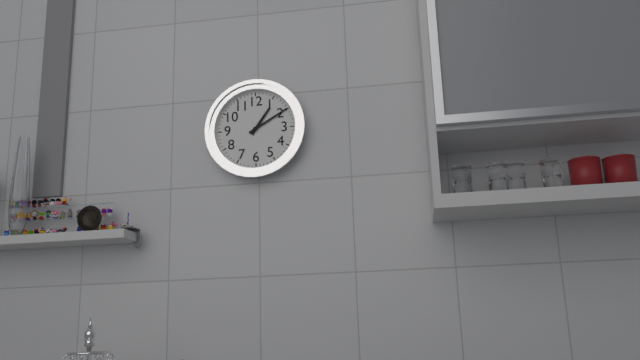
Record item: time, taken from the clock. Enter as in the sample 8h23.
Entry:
1h10
